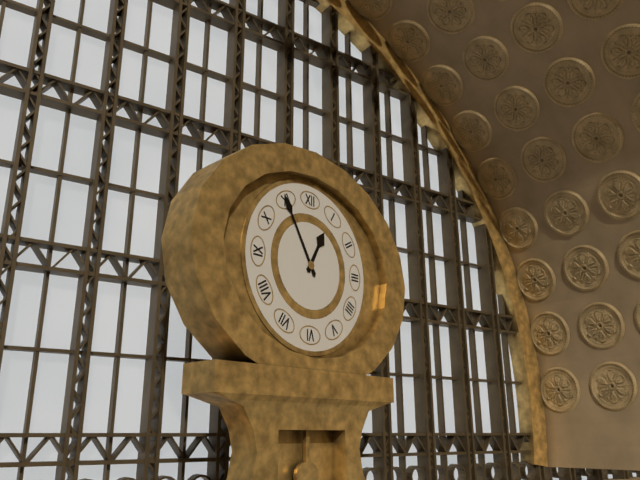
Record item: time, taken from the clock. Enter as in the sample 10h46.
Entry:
12h55
